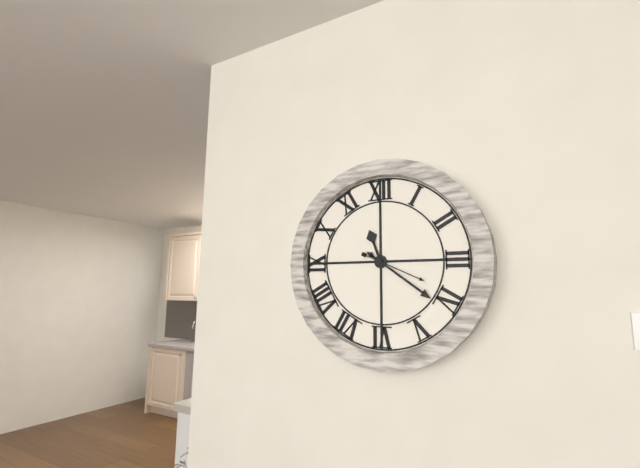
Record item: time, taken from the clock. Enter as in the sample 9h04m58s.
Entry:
11h21m19s
